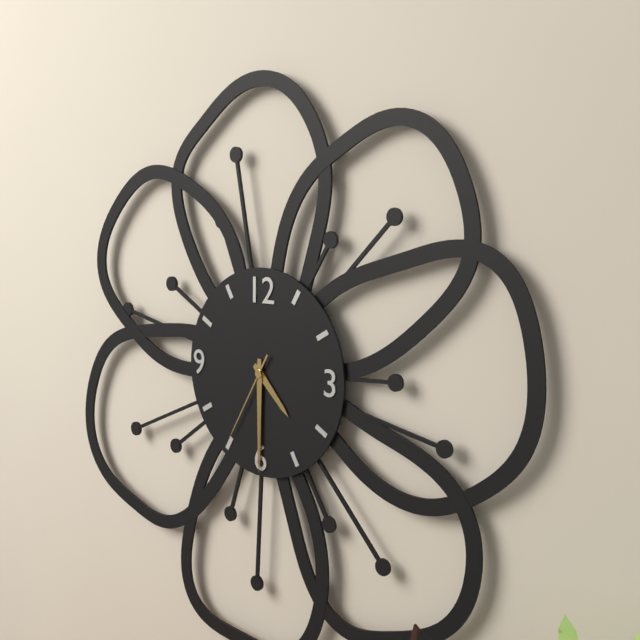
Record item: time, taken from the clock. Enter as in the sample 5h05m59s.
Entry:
4h30m35s
